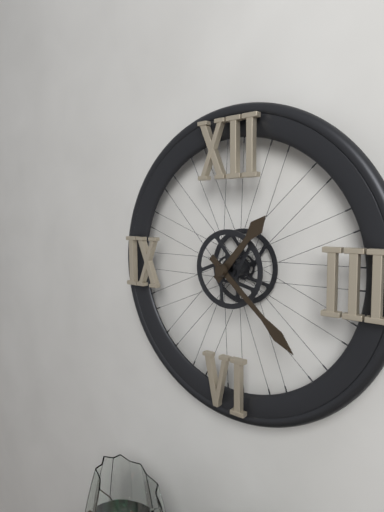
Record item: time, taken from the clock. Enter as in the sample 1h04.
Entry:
1h22
